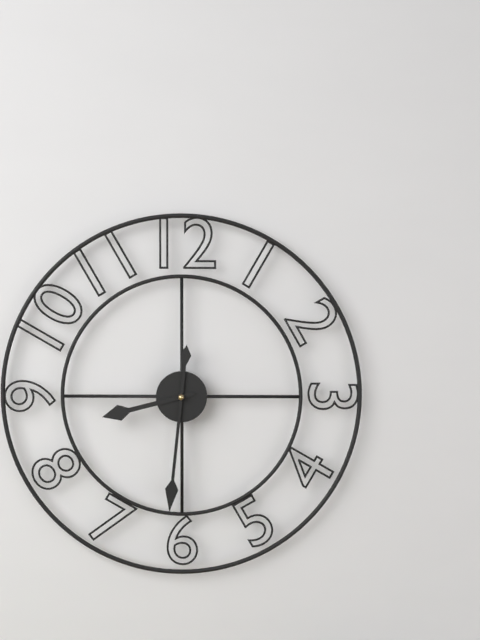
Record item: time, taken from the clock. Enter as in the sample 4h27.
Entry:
8h31
